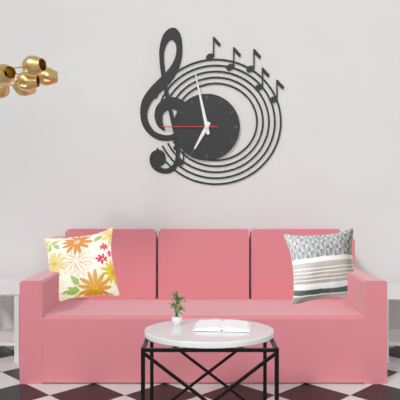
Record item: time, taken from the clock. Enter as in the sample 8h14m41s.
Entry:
6h58m45s
